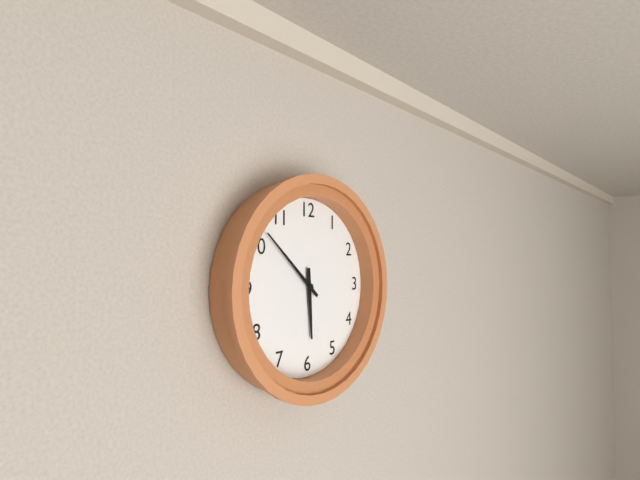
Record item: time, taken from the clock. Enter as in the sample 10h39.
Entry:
5h52
